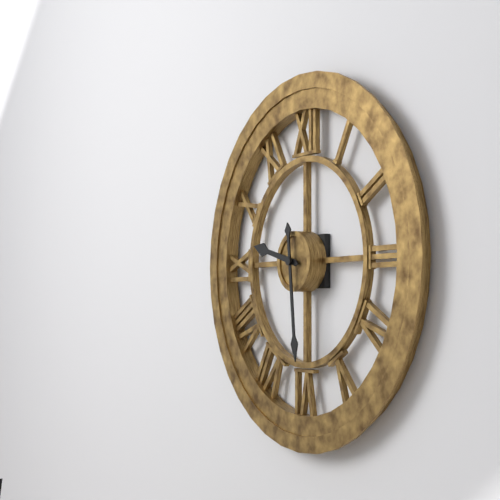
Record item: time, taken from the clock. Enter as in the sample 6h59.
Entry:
9h29
